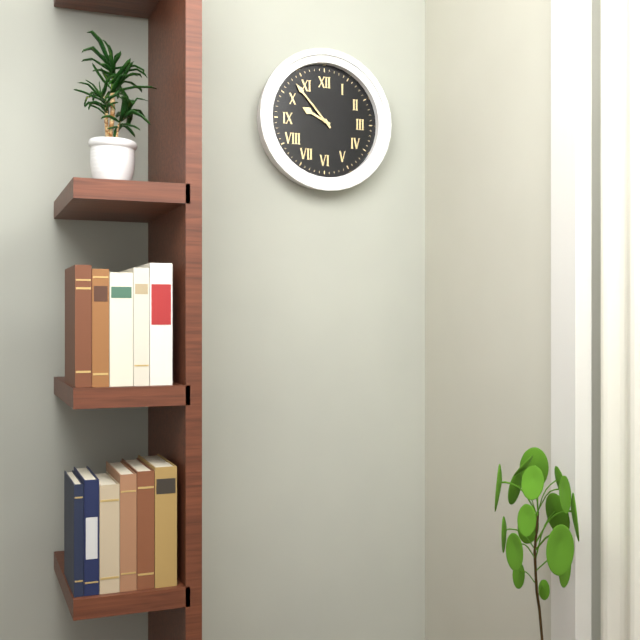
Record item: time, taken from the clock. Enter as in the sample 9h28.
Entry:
9h53
